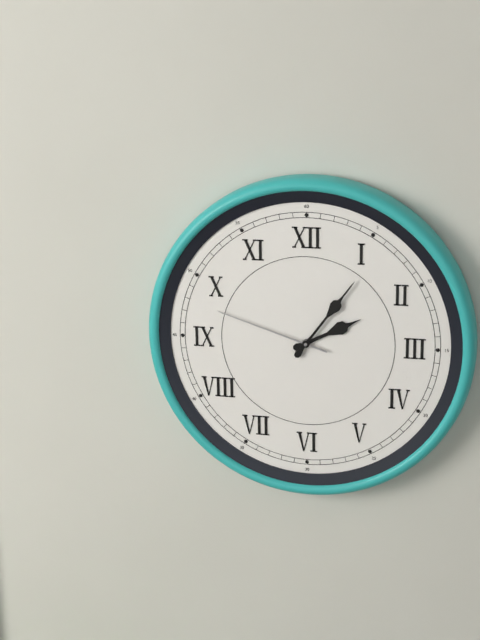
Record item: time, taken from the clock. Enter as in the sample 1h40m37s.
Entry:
2h06m48s
